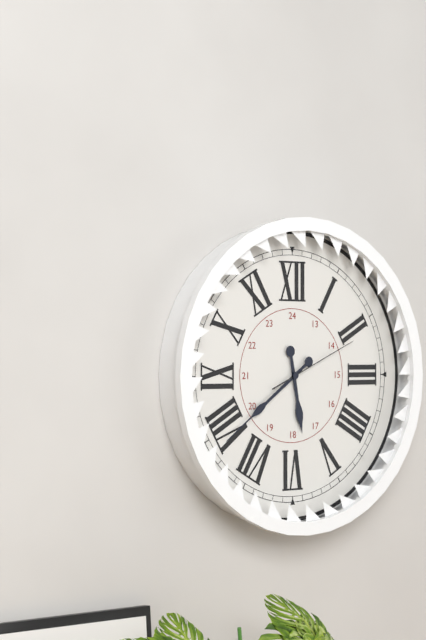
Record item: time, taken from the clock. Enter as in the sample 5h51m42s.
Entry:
5h39m11s
